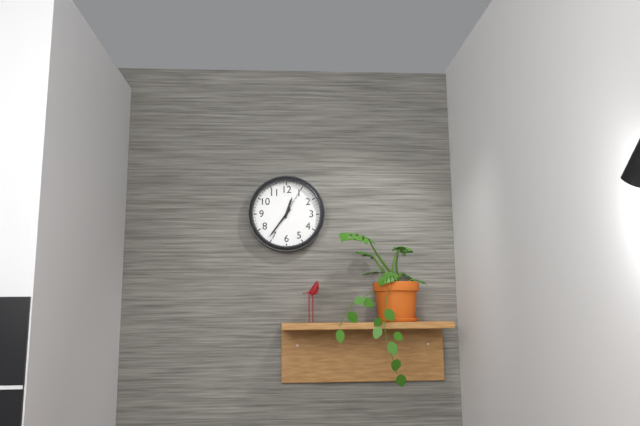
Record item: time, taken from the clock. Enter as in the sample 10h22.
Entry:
12h36
